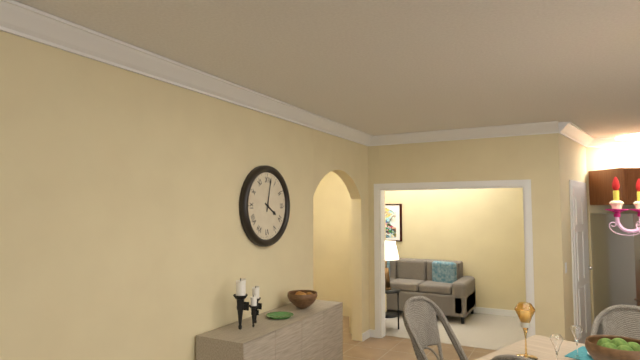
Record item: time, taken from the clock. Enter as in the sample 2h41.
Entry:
4h02
